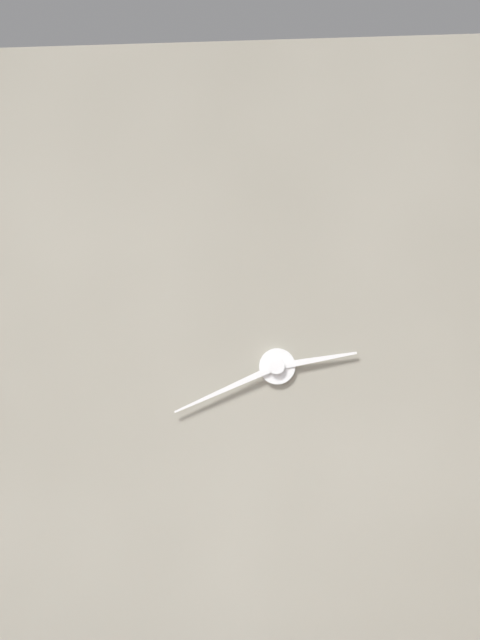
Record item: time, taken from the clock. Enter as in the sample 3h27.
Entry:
2h41
